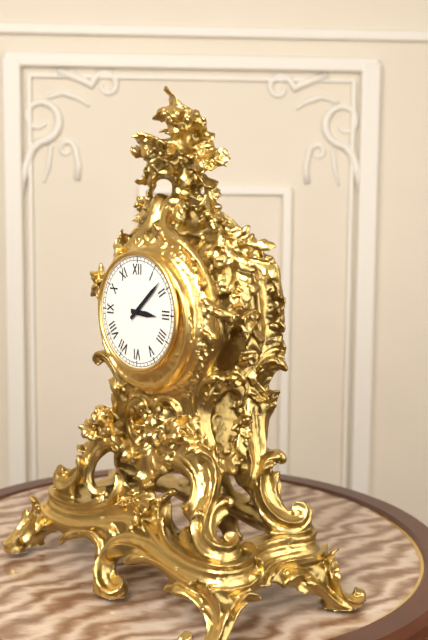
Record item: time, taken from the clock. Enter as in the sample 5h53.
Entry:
3h08
